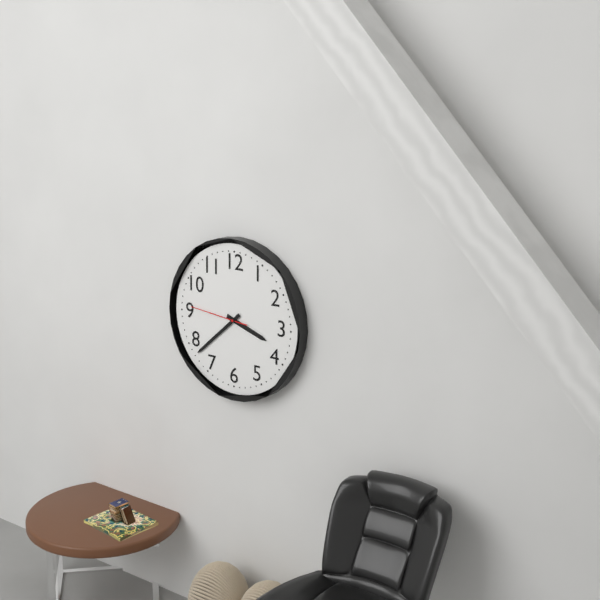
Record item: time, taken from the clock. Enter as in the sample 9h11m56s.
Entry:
3h38m46s
